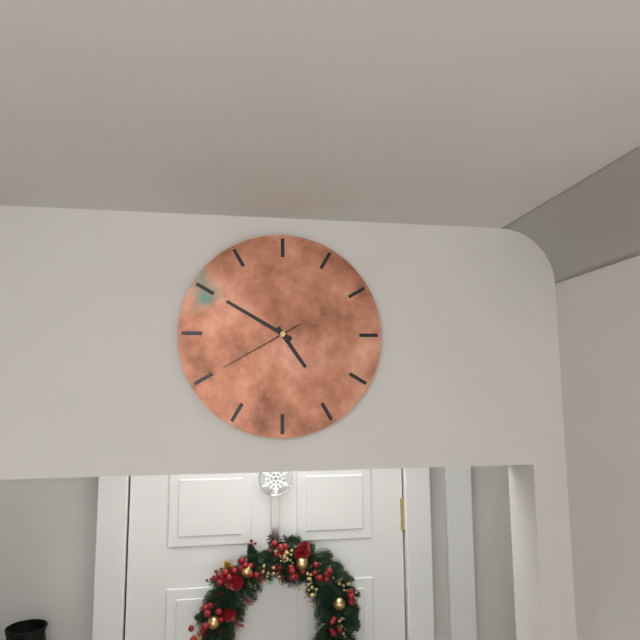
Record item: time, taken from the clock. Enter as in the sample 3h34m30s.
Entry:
4h50m40s
